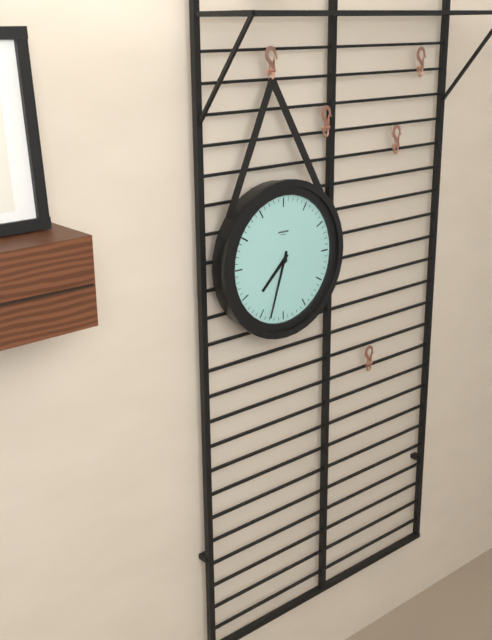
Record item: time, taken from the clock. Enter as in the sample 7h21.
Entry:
7h33
